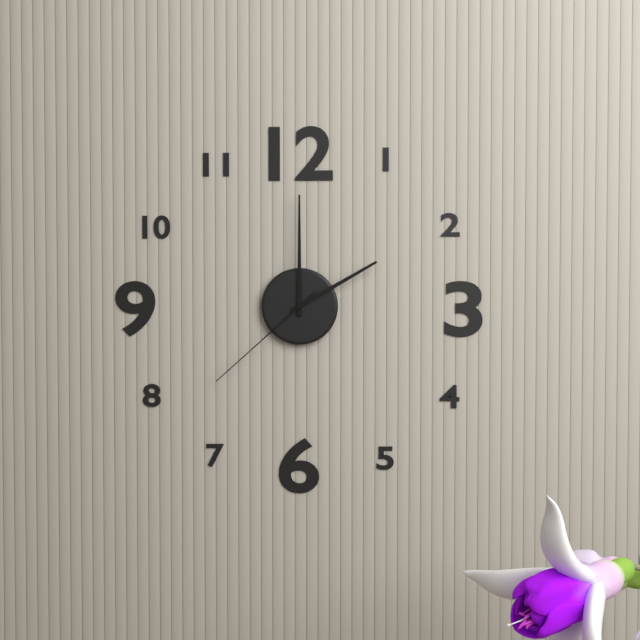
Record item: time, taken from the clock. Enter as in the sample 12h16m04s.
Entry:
2h00m38s
